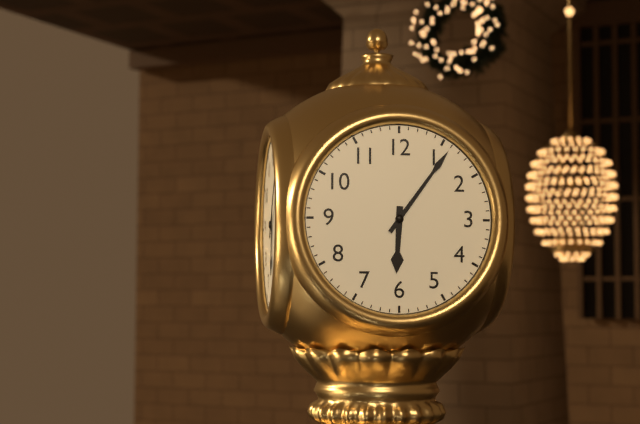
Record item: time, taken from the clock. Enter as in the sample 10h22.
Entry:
6h06
